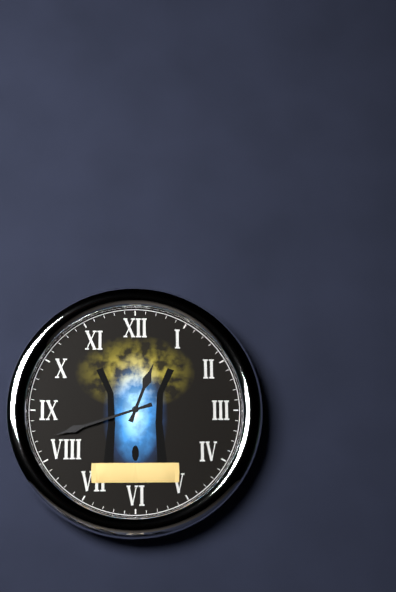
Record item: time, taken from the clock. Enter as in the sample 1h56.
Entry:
12h42
